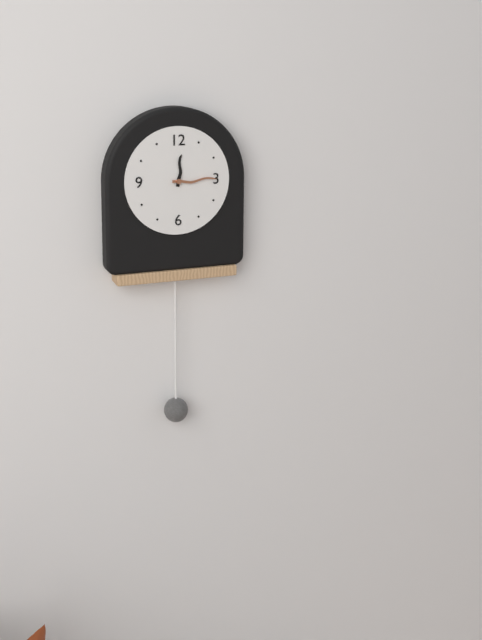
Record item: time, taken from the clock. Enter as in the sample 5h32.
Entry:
12h15
